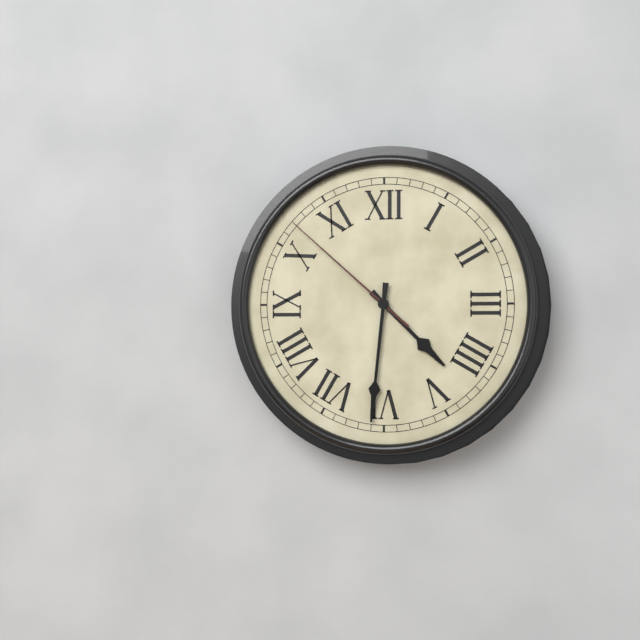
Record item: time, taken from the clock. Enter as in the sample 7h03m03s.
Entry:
4h31m52s
